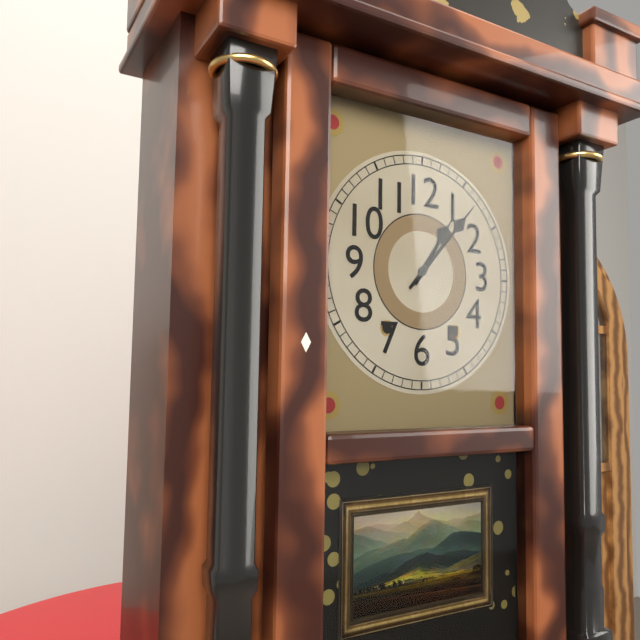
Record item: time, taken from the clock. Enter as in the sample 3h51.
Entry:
1h07
